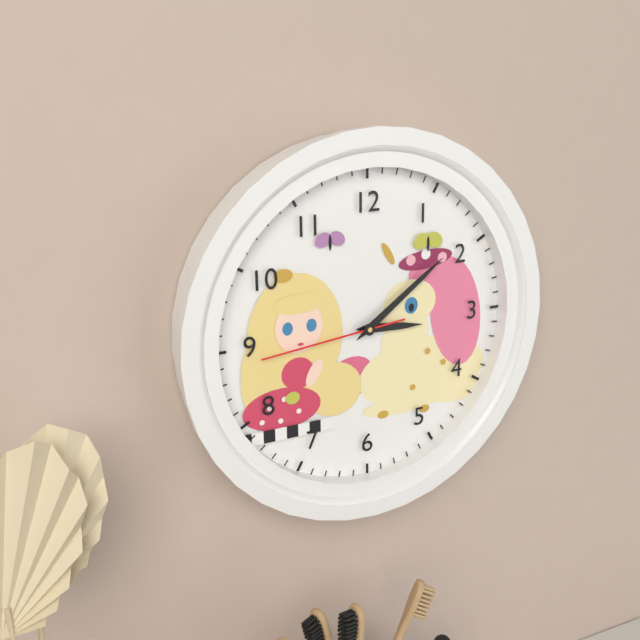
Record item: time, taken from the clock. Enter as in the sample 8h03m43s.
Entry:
3h09m44s
